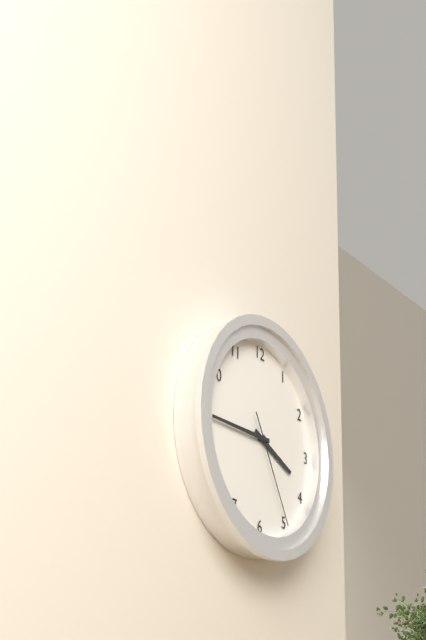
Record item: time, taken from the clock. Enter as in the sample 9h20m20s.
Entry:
3h45m25s
